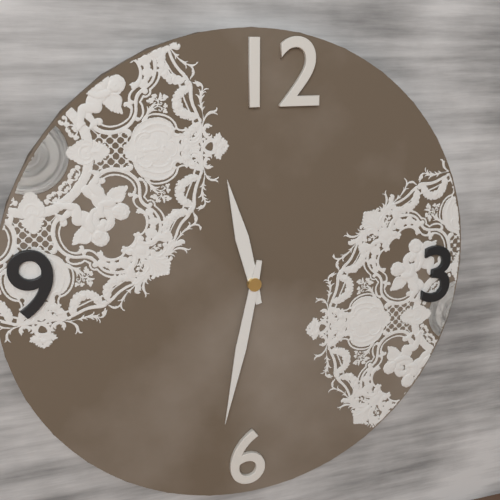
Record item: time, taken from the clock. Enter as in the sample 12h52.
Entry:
11h32
